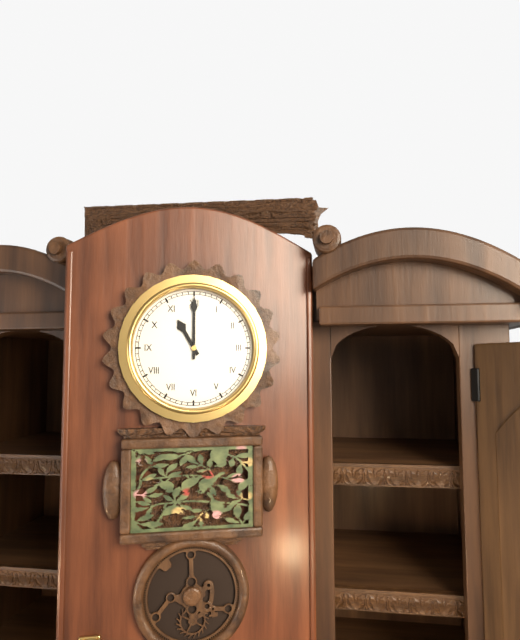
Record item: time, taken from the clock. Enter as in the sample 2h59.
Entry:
11h00
